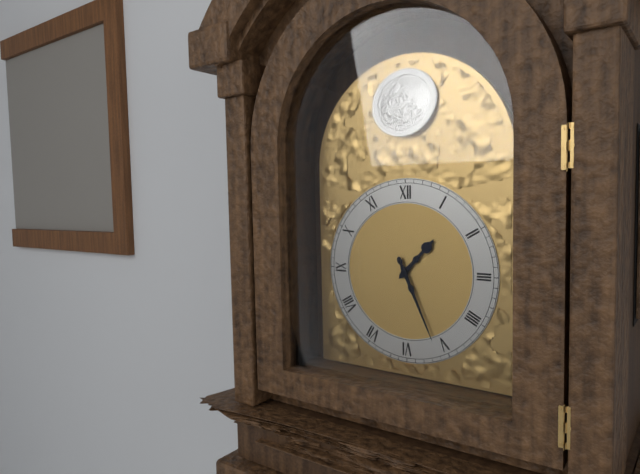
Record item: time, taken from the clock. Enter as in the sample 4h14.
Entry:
1h26
